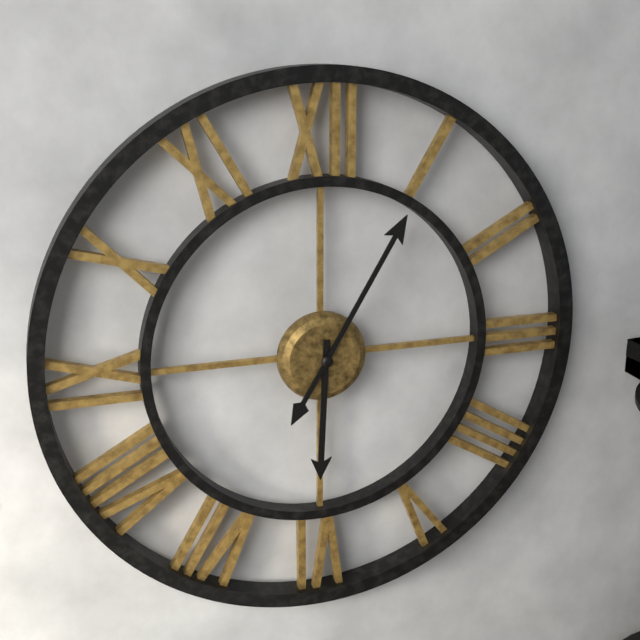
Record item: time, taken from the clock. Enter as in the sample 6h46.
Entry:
6h05
